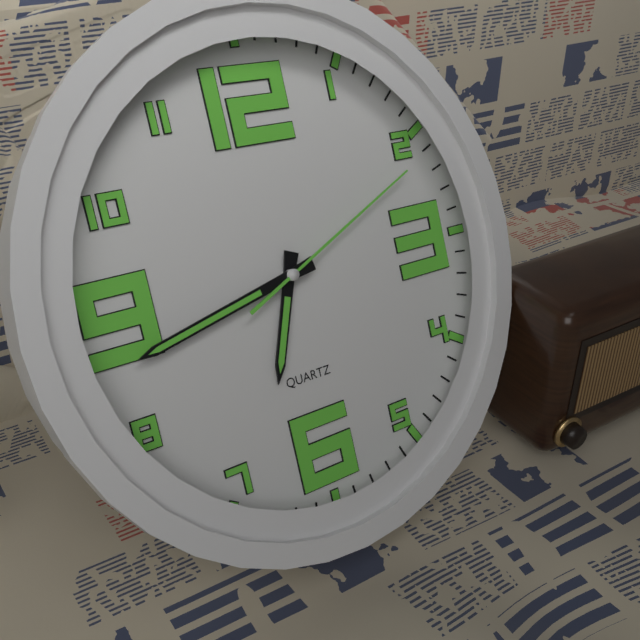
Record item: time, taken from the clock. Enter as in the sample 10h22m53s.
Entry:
6h43m11s
